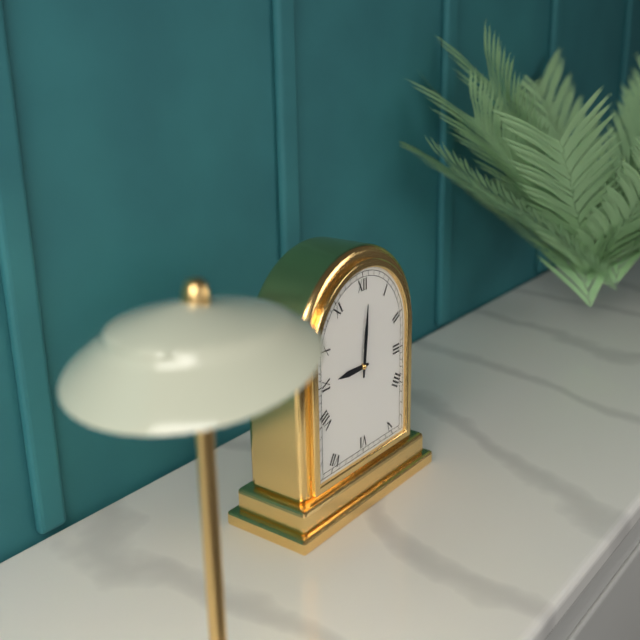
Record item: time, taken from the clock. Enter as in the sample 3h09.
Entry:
9h01
